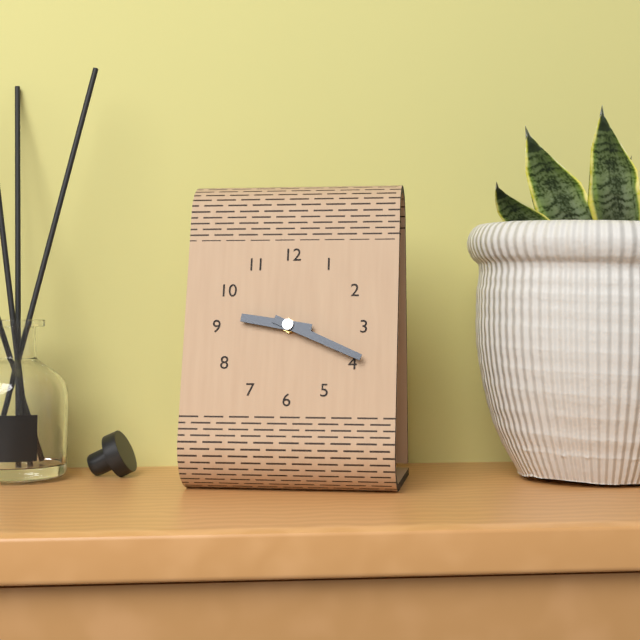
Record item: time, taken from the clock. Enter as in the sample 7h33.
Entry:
9h19
